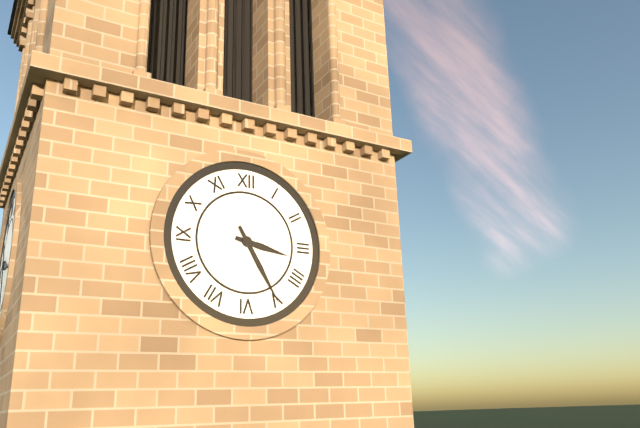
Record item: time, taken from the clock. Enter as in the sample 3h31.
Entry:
3h25
